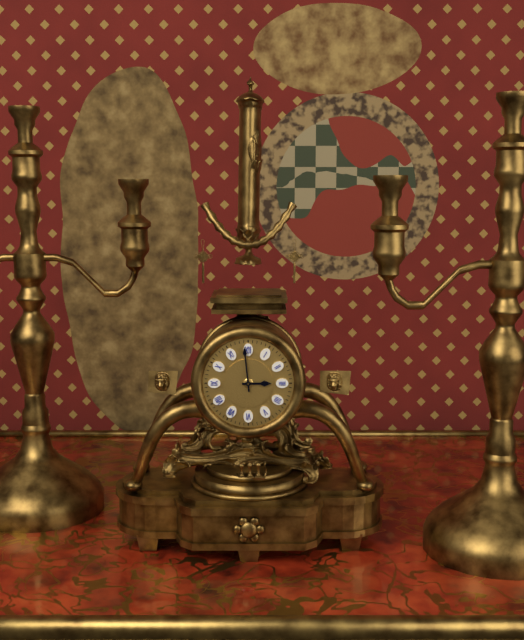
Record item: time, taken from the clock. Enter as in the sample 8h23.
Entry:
2h59
